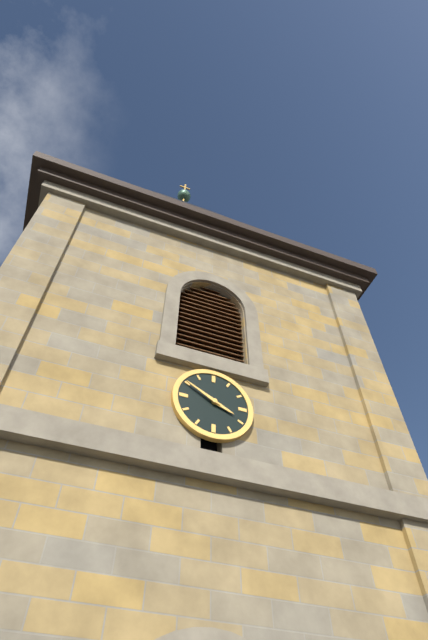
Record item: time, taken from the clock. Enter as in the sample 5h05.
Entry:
3h50
